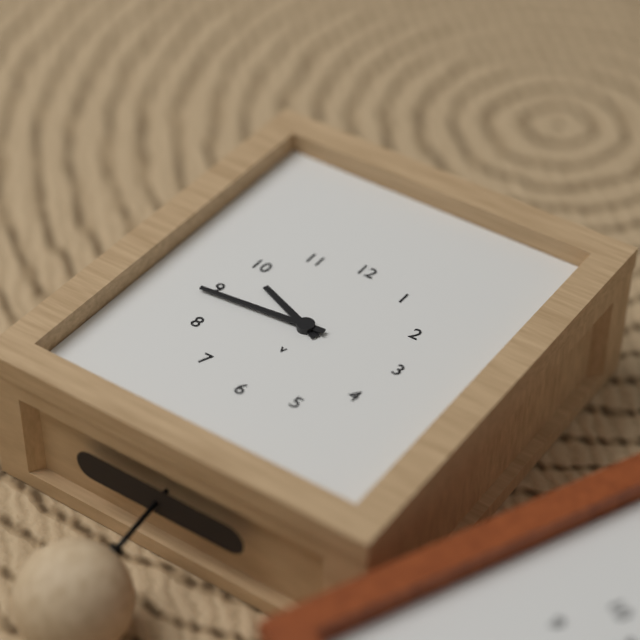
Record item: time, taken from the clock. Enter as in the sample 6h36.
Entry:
9h44
